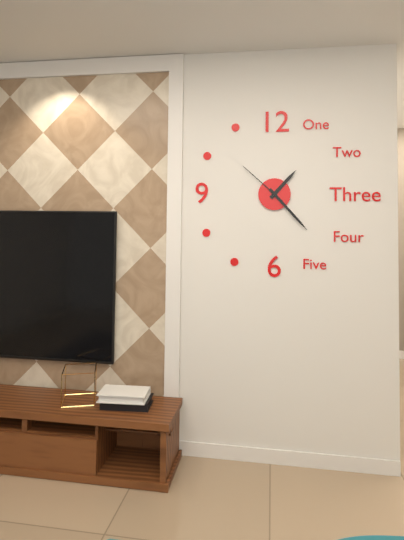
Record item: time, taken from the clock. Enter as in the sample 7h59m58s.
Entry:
1h23m52s
